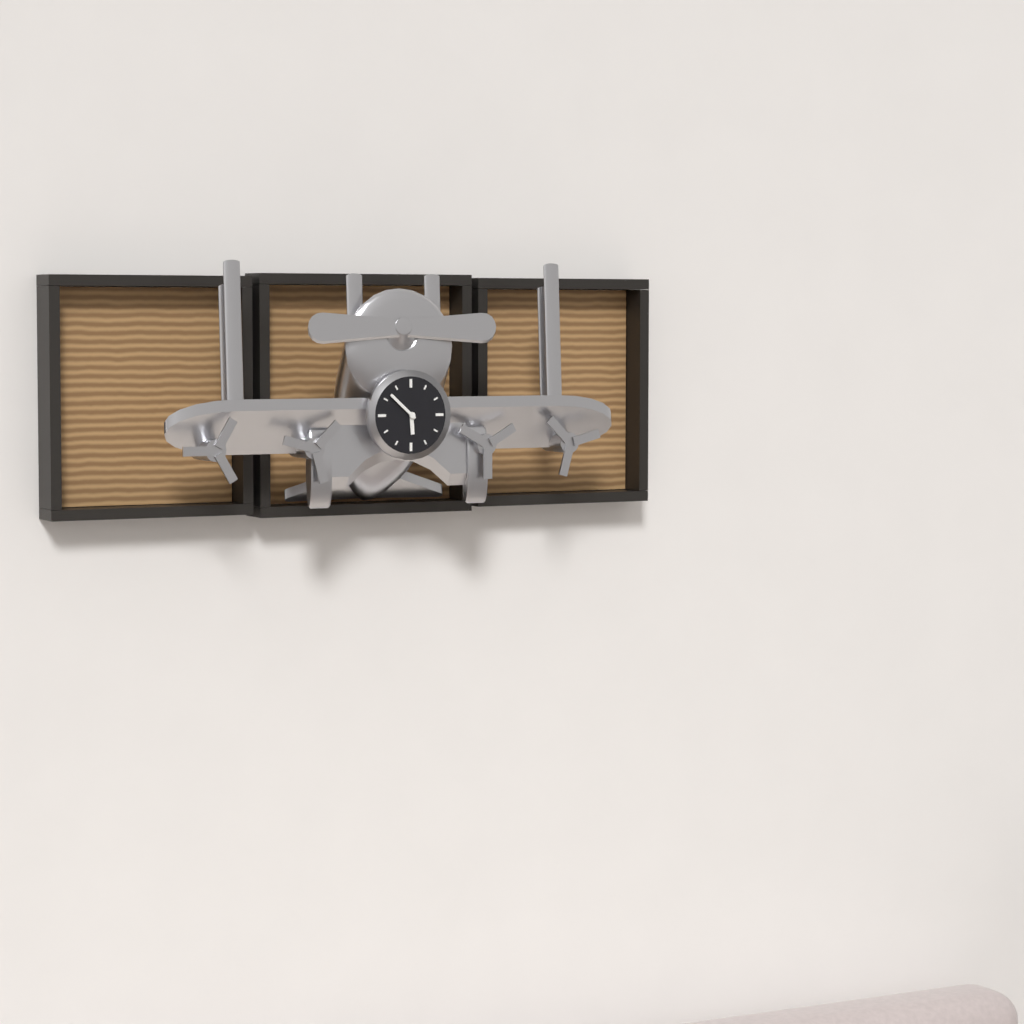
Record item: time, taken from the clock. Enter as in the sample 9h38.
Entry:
5h52
